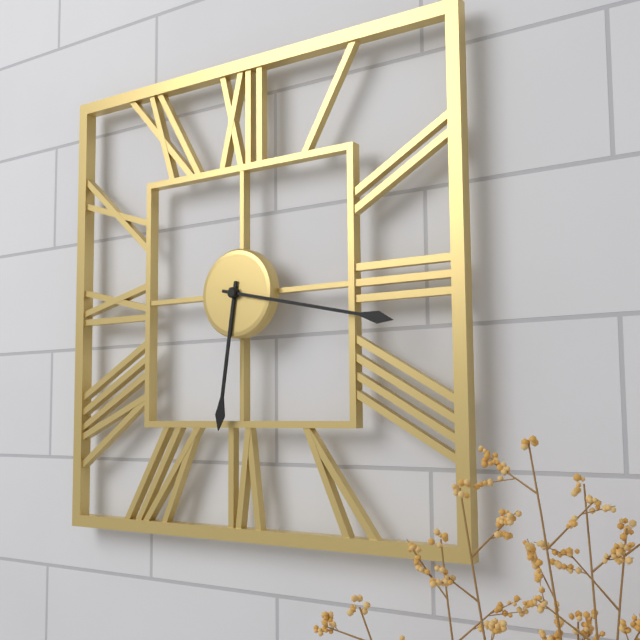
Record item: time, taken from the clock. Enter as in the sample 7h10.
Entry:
6h17
